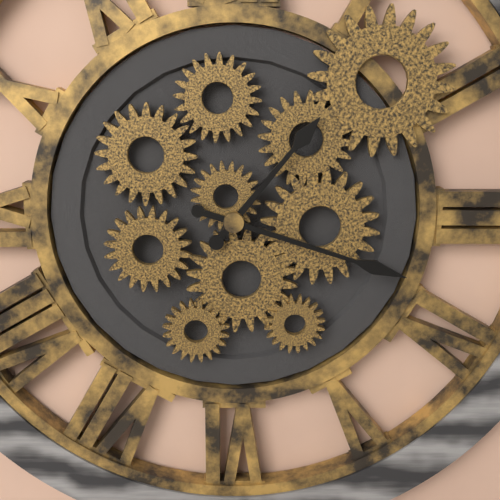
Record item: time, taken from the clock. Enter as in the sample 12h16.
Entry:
1h18
